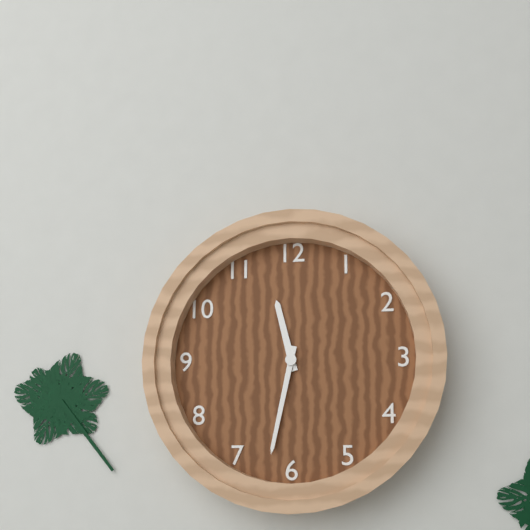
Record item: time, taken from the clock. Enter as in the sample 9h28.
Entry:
11h32
